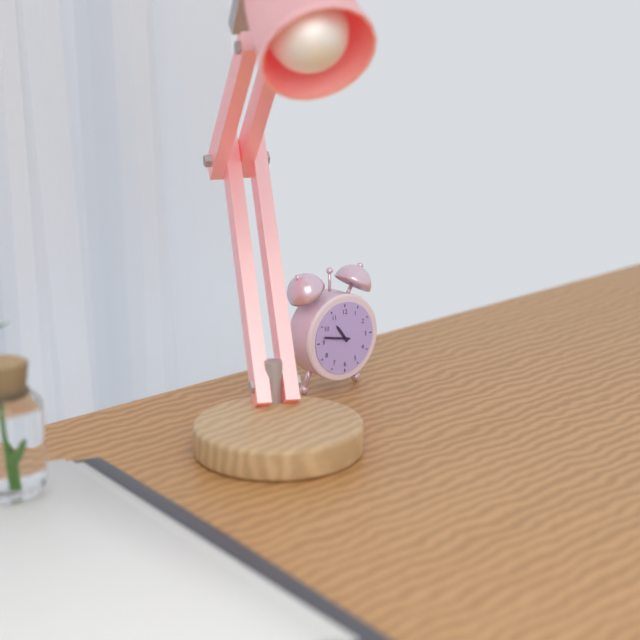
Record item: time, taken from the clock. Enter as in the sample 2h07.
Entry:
10h47
